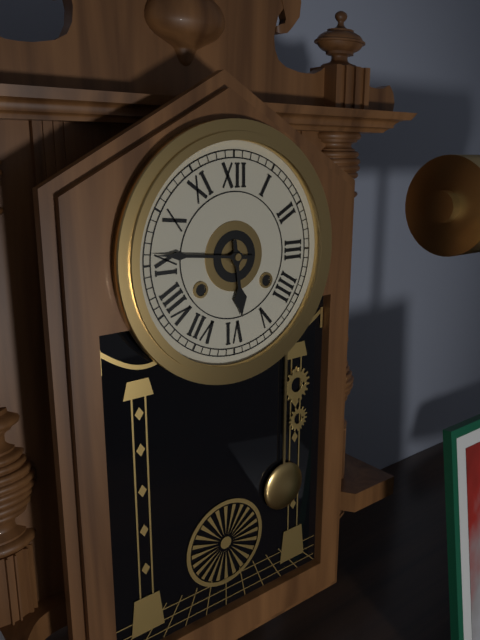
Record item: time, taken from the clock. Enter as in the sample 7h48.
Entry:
5h46
